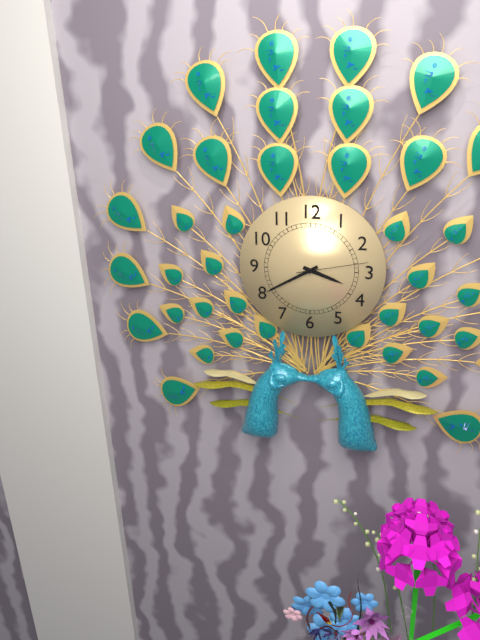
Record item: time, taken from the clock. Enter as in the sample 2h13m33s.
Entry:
3h40m13s
